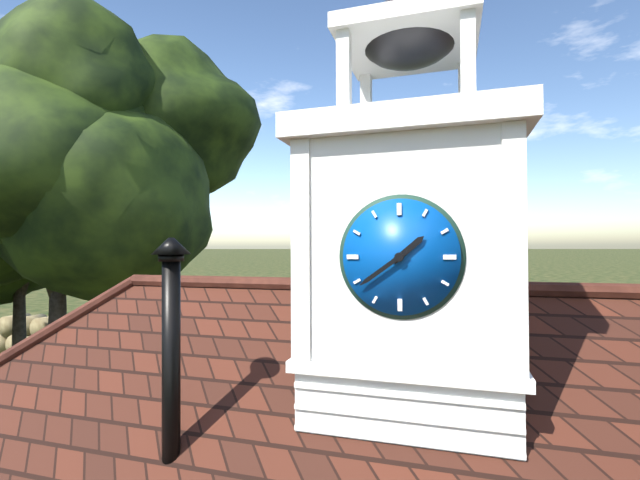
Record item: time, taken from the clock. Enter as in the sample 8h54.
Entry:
1h39
